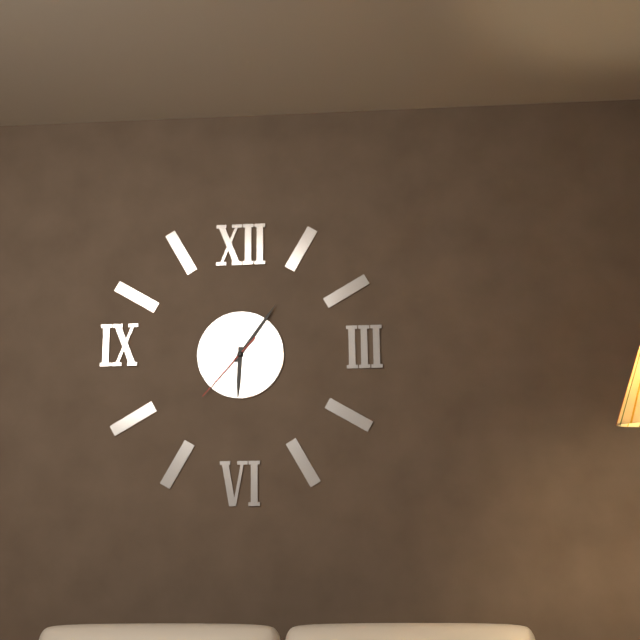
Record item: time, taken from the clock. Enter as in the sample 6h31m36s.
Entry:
6h06m37s
